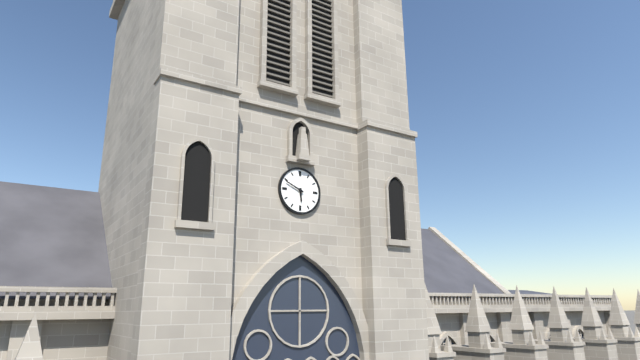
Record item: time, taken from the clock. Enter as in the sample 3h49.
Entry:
5h49
